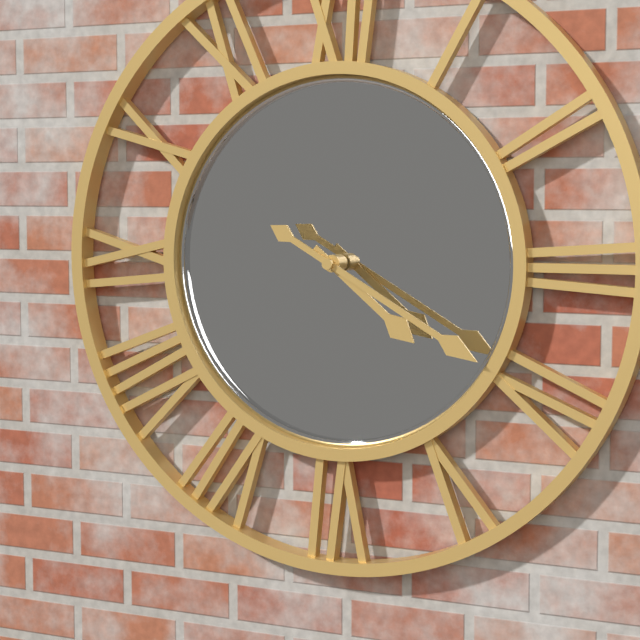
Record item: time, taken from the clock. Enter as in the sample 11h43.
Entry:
4h20
